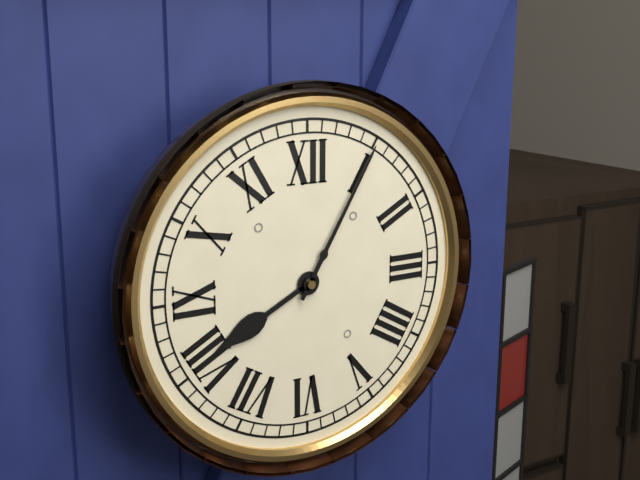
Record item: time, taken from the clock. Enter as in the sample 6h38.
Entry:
8h05
